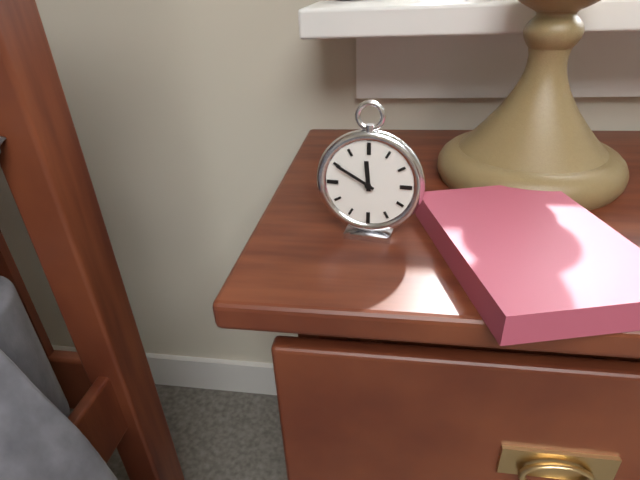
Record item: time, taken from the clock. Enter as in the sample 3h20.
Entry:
11h50
